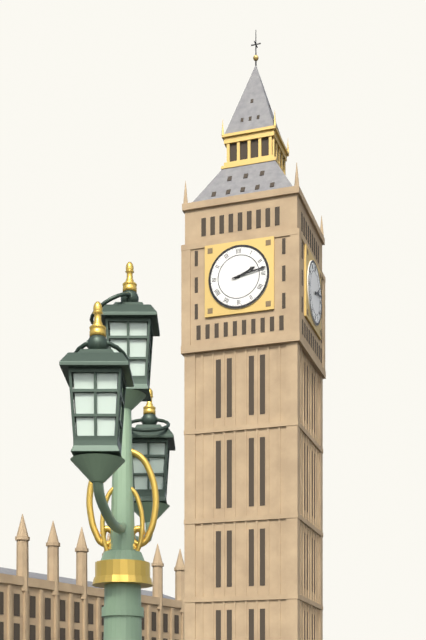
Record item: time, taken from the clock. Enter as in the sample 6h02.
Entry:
2h13
